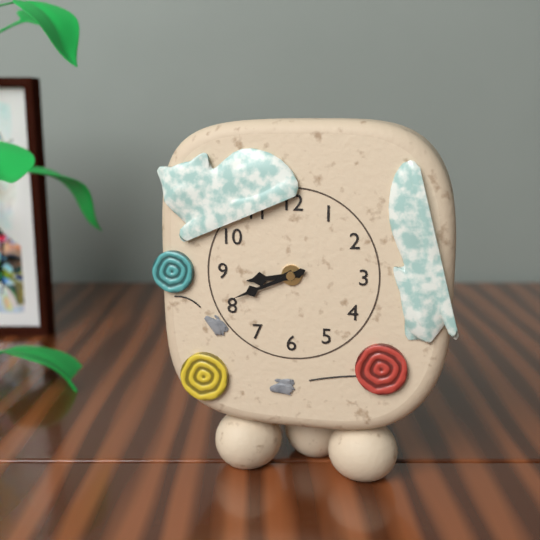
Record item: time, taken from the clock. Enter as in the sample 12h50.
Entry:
8h41
